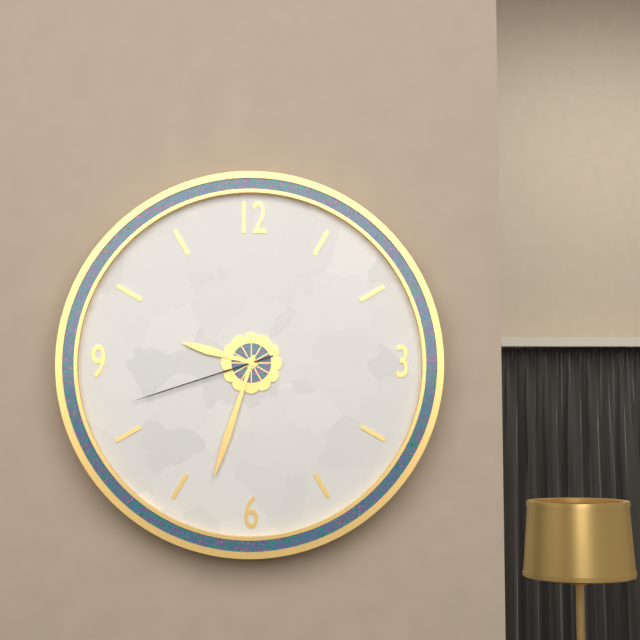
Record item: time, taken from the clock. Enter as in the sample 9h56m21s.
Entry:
9h33m42s
